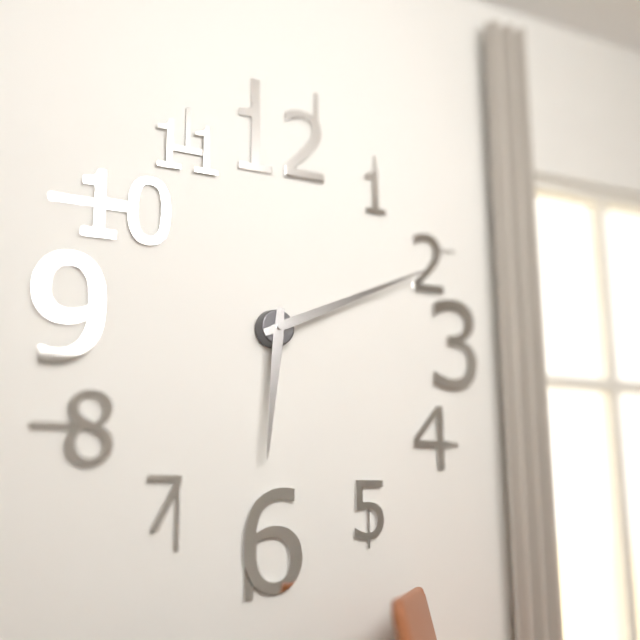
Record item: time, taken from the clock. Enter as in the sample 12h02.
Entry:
6h11
